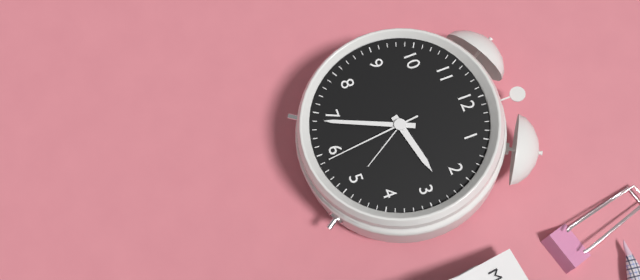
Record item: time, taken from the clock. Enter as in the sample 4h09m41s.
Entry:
2h34m29s
